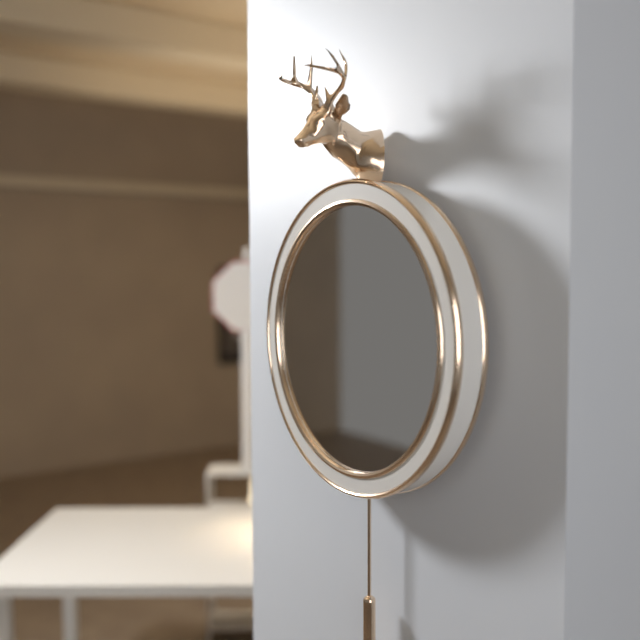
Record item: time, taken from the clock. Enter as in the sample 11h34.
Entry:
2h02
